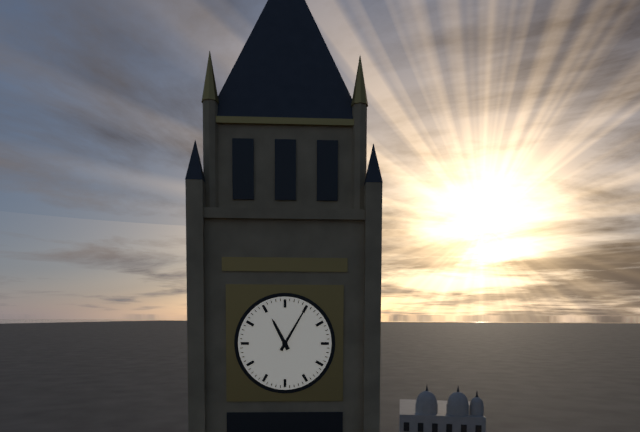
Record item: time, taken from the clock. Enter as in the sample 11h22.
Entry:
11h05
